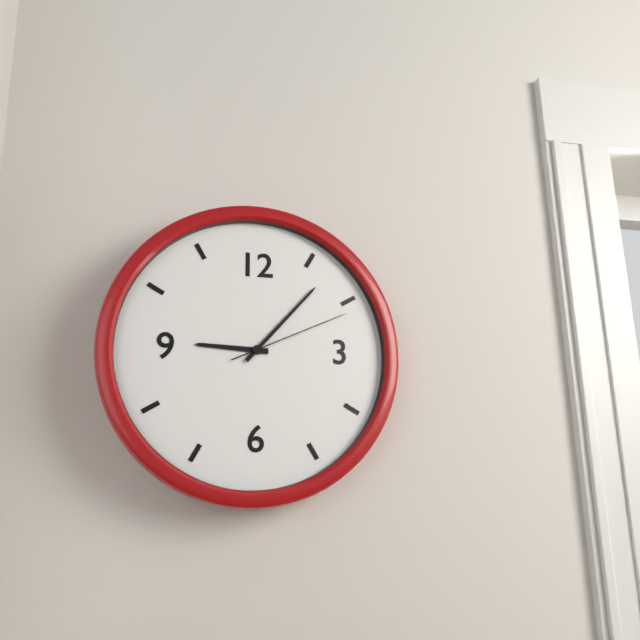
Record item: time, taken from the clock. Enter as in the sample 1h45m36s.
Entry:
9h07m11s
